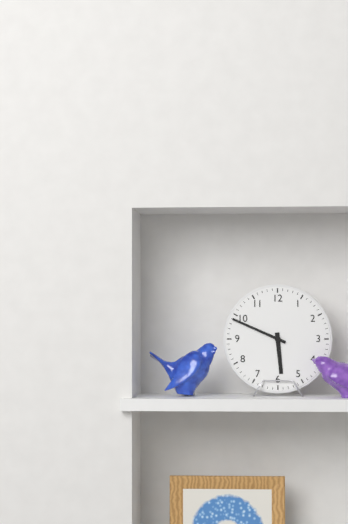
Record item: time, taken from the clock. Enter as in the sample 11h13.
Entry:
5h49
